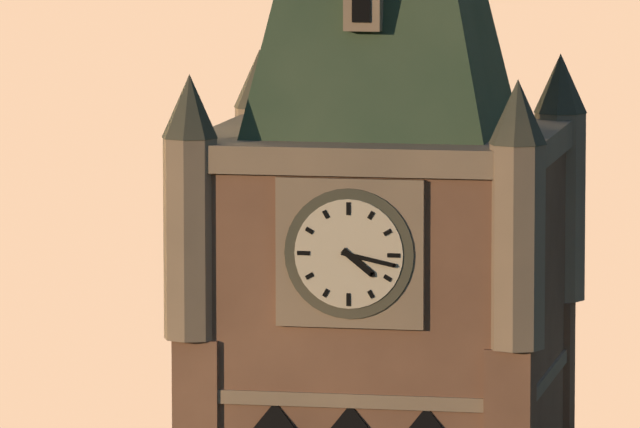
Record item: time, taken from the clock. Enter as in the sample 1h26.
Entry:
4h17
